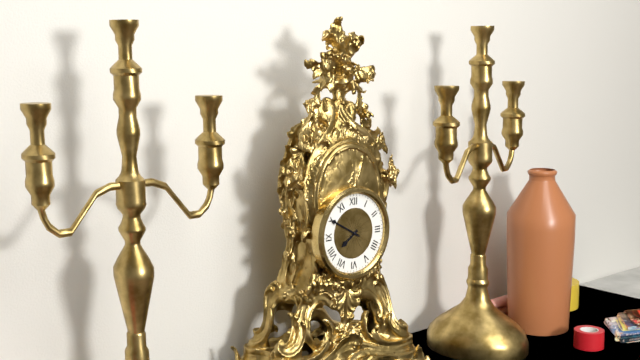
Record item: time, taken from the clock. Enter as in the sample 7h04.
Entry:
7h50
